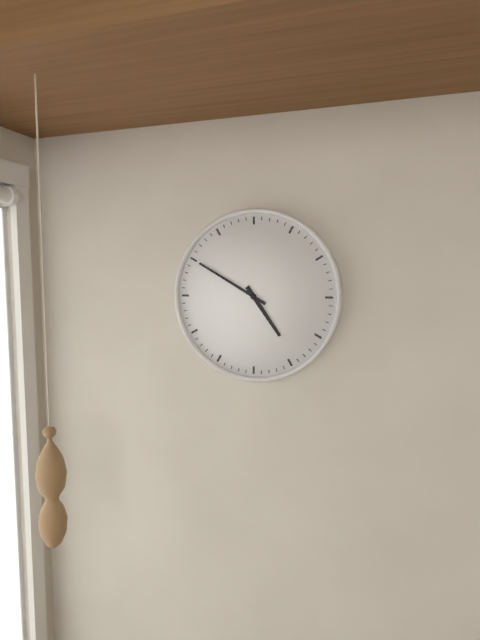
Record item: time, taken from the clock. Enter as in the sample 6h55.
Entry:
4h50
